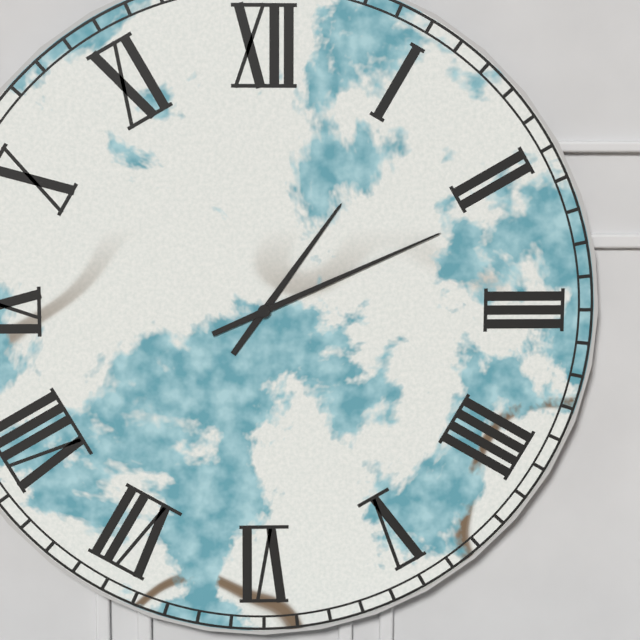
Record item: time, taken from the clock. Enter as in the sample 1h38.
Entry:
1h11
